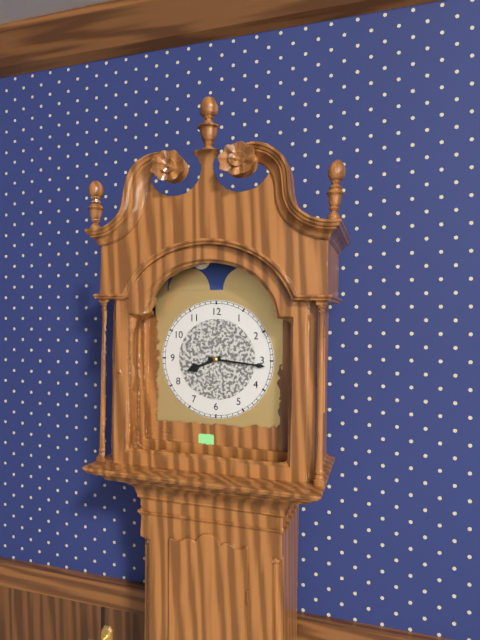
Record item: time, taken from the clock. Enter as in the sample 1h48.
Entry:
8h16
